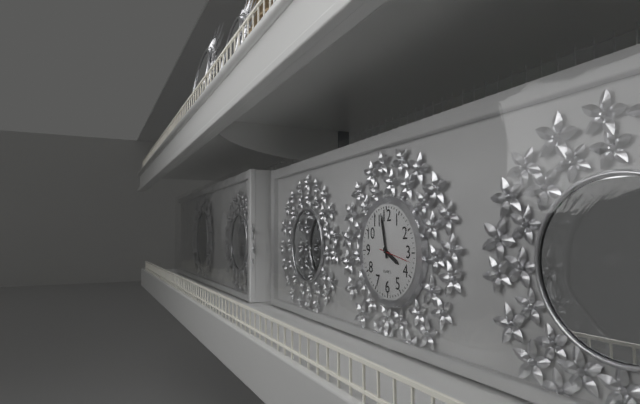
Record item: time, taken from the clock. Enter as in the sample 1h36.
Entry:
3h58
